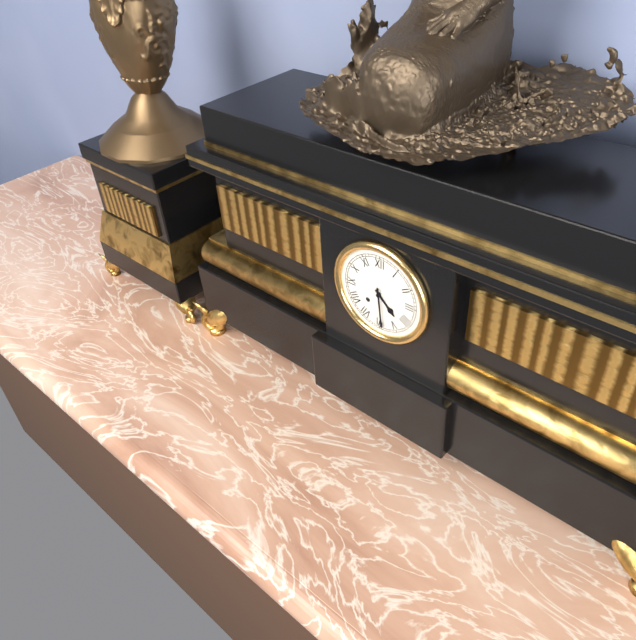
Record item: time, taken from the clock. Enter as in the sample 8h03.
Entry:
4h29
